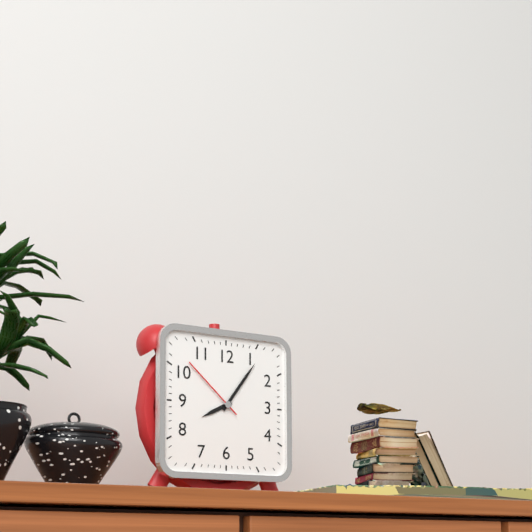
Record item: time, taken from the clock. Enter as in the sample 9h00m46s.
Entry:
8h06m52s
